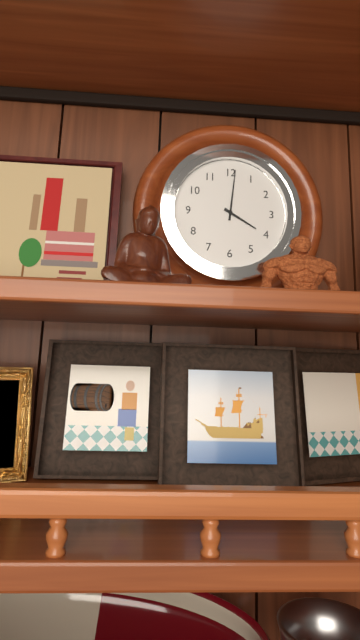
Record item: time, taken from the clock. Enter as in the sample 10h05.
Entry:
4h01
